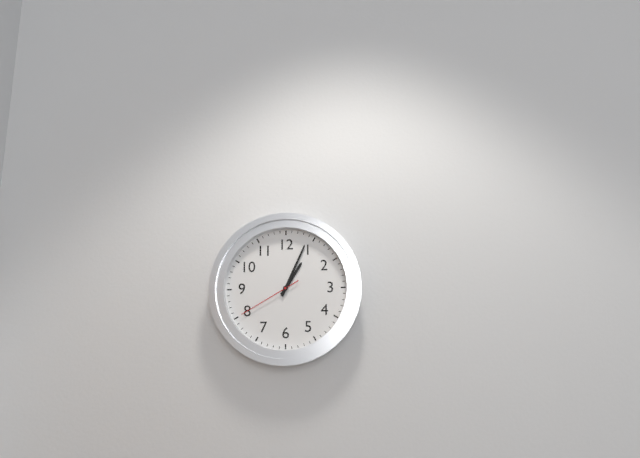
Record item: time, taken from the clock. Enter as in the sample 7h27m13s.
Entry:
1h04m40s
